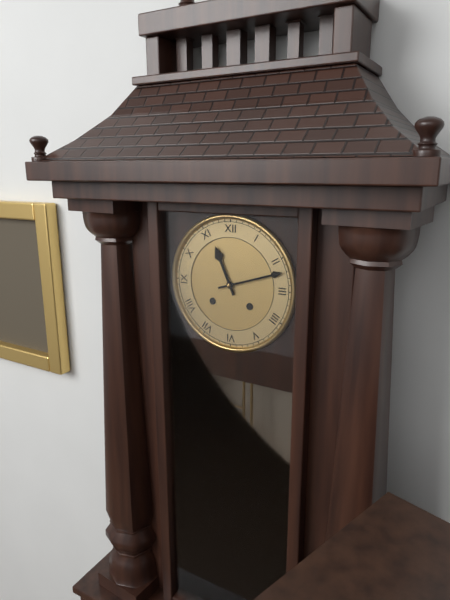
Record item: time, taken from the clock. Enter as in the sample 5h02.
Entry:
11h12
